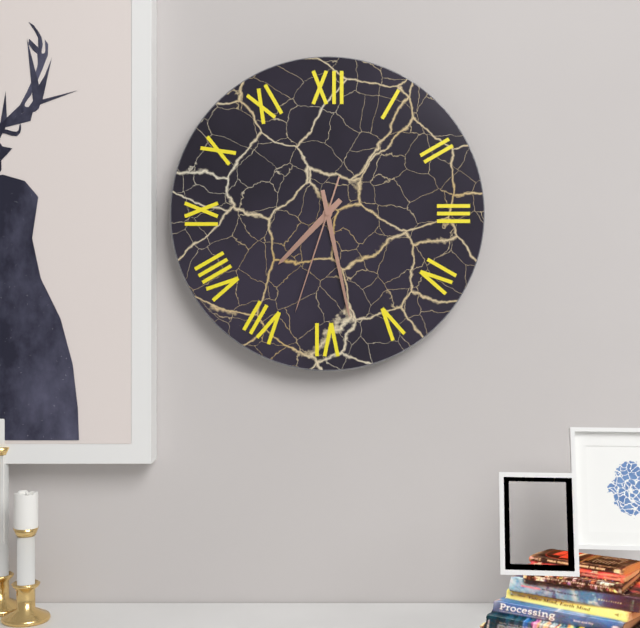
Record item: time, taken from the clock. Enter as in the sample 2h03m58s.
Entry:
7h28m33s
